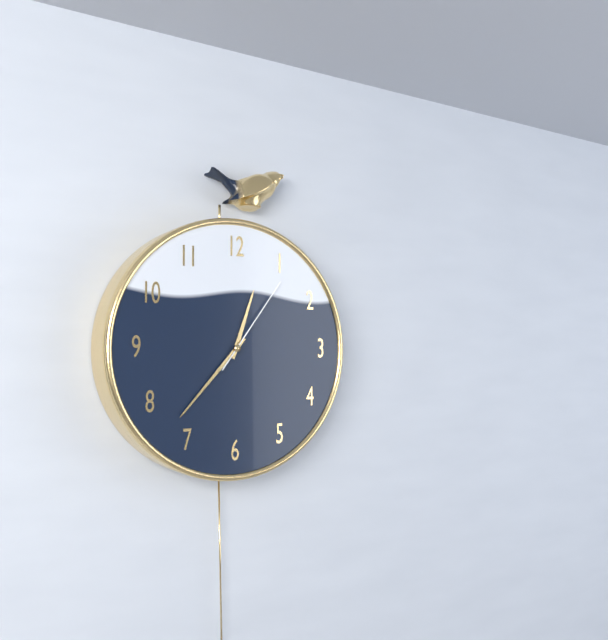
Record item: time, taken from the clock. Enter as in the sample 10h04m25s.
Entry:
12h37m06s
